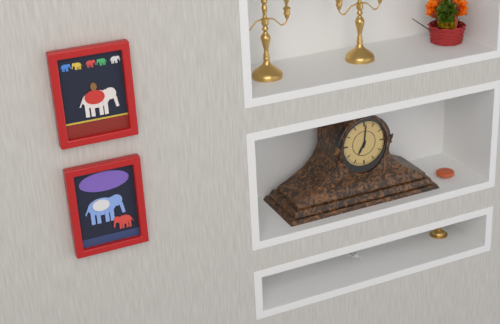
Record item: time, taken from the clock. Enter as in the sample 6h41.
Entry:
7h01
